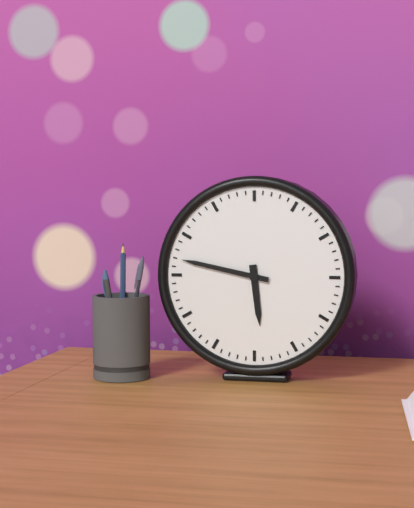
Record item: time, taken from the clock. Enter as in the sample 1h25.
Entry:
5h47
